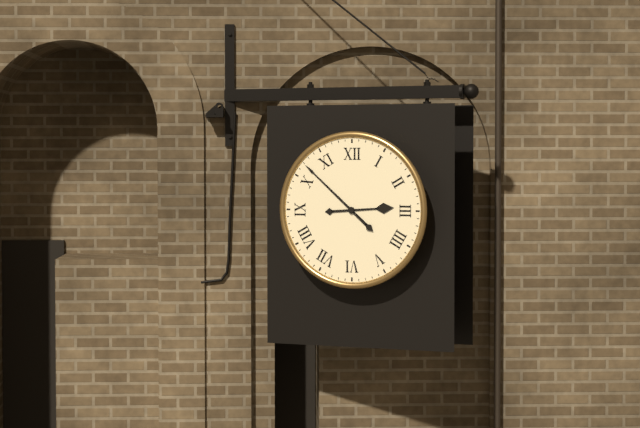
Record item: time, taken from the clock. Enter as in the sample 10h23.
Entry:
2h52
